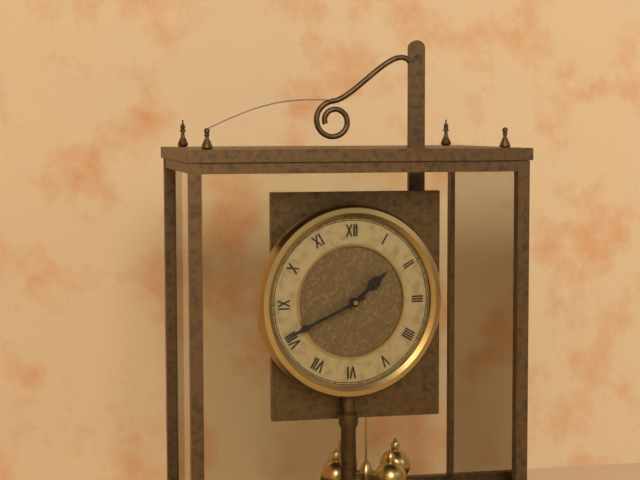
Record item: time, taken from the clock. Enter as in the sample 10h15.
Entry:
1h41
